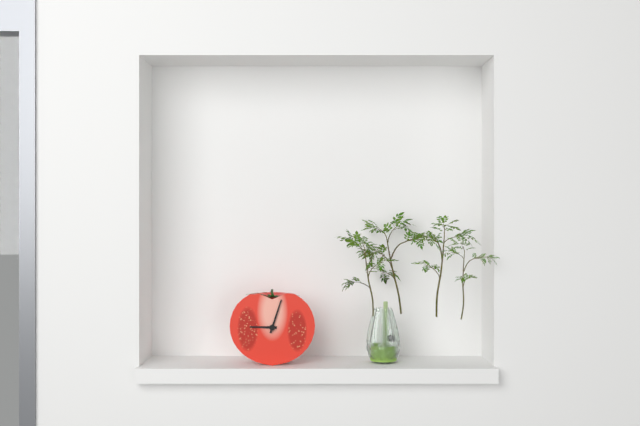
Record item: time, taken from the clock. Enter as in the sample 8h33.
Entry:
9h03
